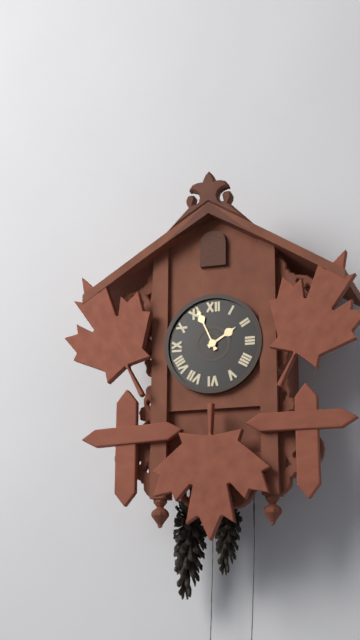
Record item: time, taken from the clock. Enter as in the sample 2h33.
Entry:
1h56
